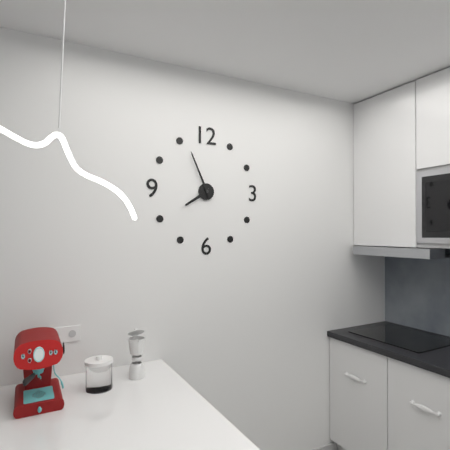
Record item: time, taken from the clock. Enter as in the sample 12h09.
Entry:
7h56
